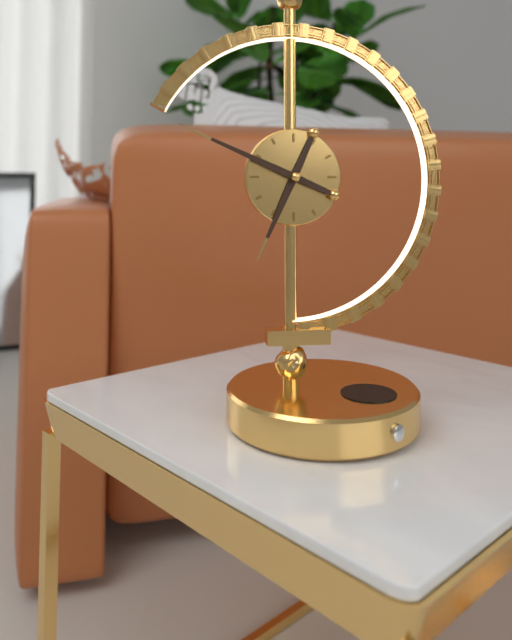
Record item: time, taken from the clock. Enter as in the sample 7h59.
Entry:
6h49
